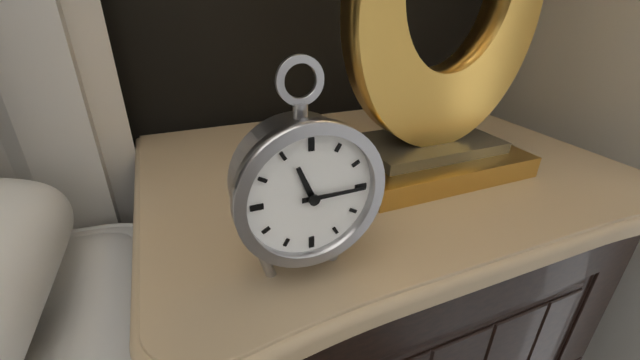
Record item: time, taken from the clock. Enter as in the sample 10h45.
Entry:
11h15
